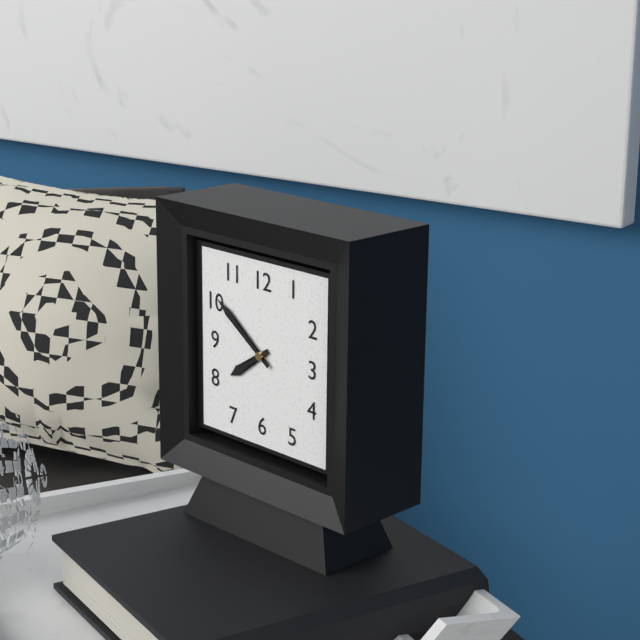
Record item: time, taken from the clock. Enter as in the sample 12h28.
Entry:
7h51
